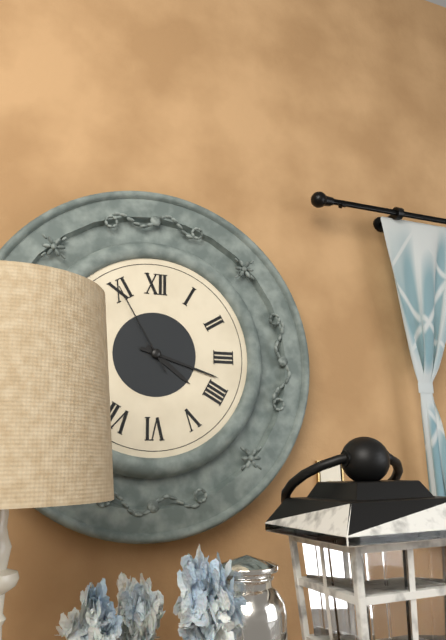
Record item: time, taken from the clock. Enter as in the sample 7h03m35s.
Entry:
4h18m55s
